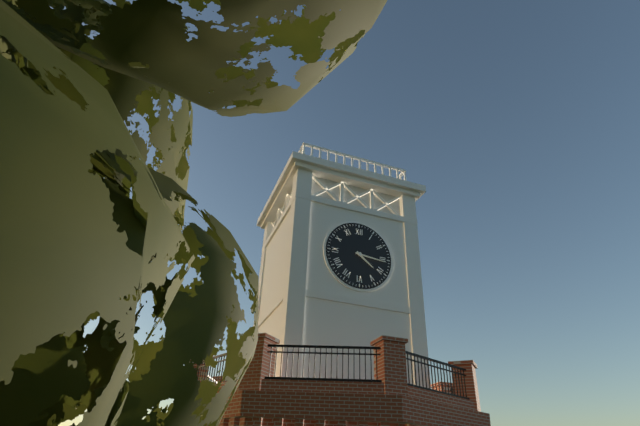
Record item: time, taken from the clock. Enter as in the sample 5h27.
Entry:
4h16
